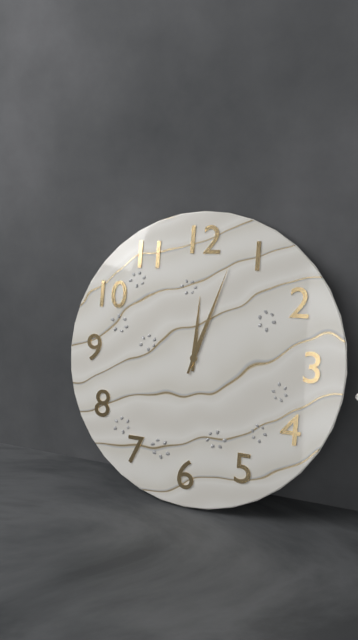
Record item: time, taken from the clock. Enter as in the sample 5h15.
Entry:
12h03
